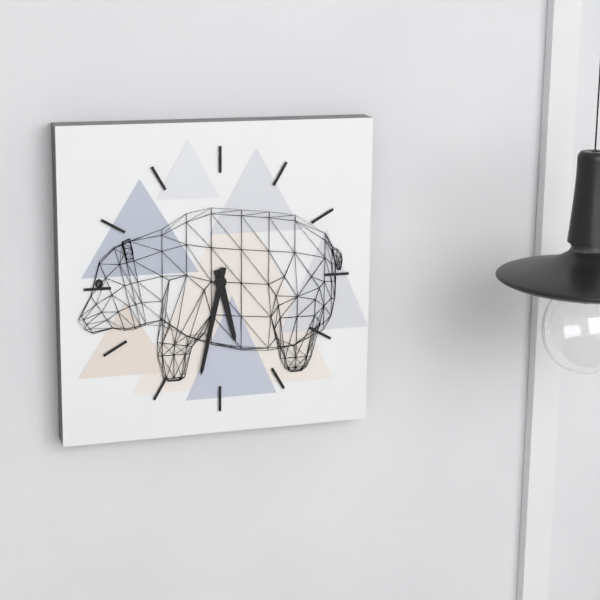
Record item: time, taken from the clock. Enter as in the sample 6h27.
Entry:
5h32
